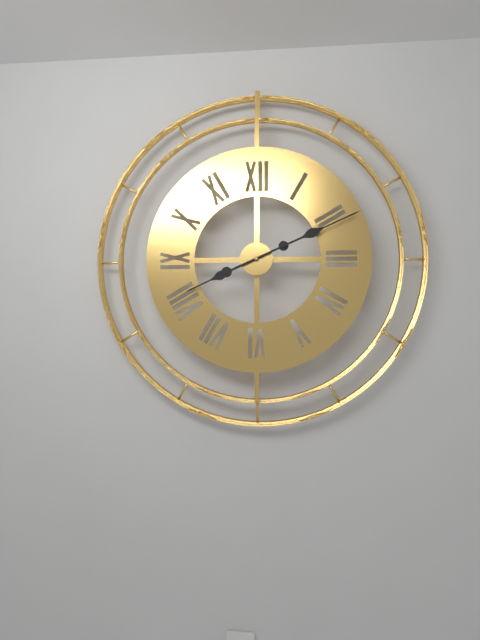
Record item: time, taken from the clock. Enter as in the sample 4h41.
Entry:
8h11
